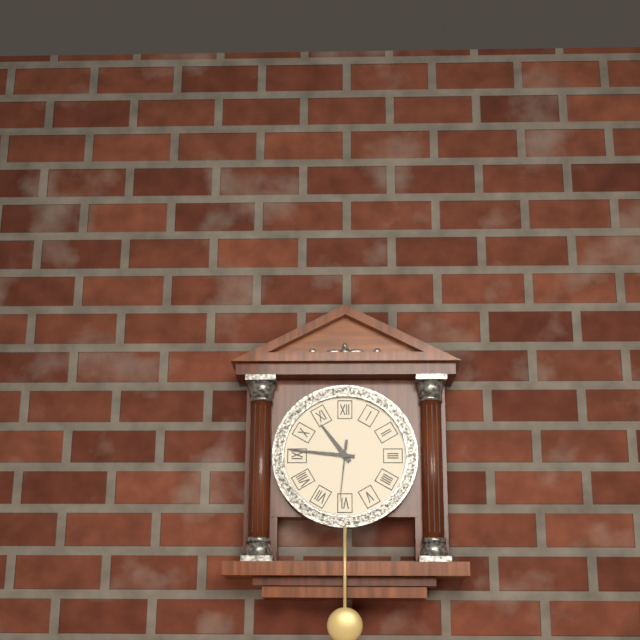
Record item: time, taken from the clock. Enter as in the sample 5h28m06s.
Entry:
10h46m31s
